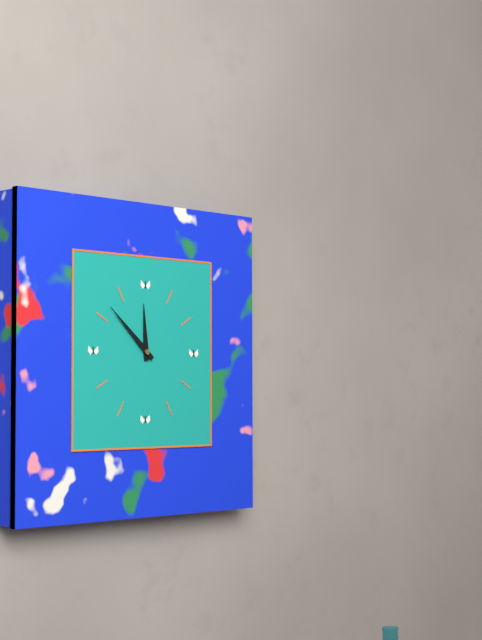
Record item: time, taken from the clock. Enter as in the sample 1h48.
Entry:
11h52
